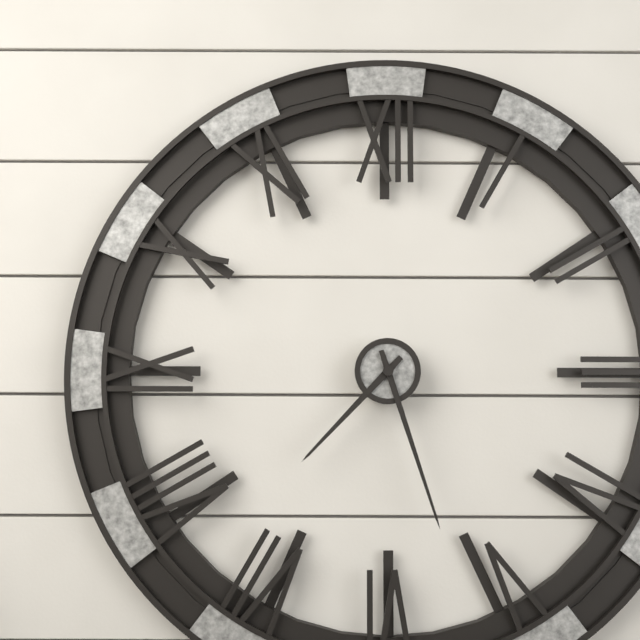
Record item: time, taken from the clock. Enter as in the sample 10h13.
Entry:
7h27
